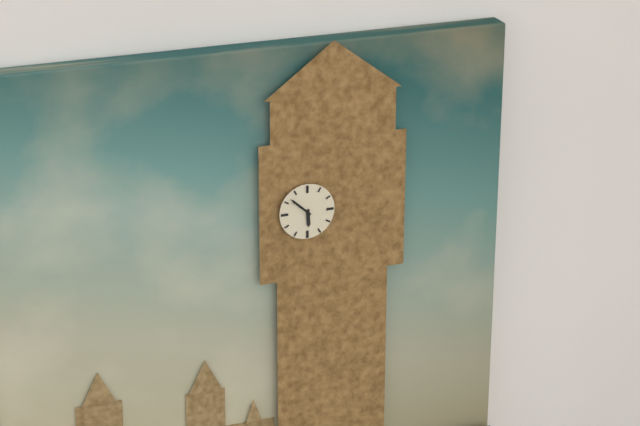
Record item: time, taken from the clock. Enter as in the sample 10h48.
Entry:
5h52
